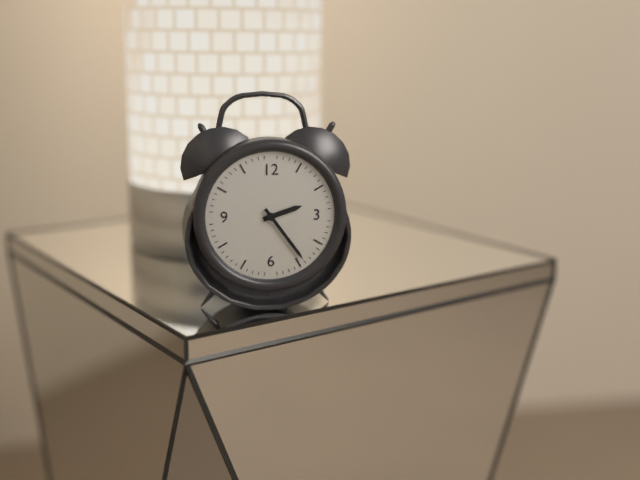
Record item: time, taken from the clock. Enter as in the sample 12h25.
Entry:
2h24
